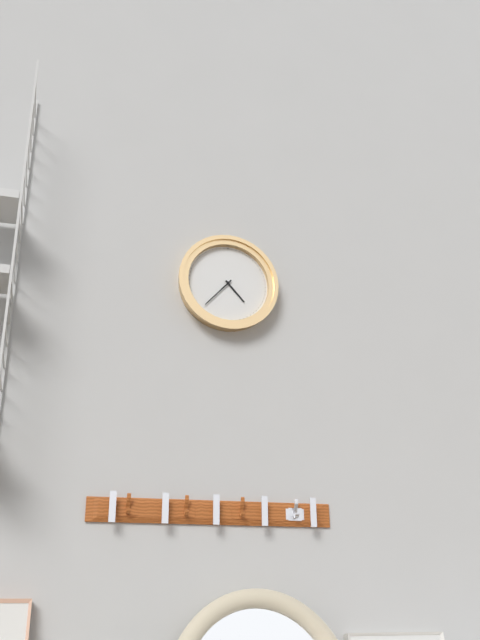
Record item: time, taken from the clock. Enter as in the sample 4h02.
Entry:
4h37
